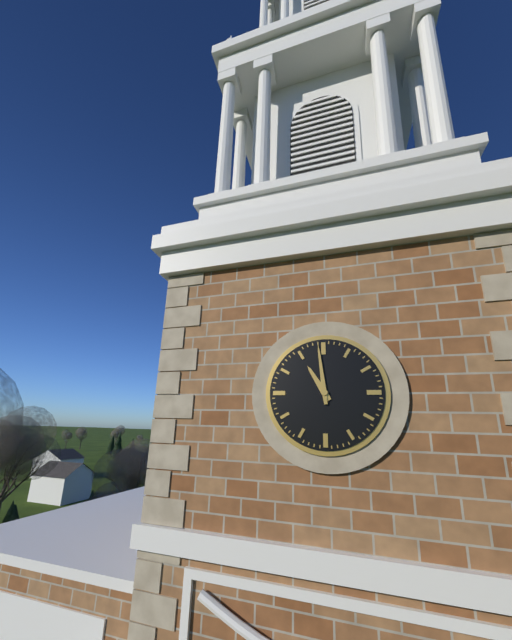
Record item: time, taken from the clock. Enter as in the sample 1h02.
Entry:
10h59
